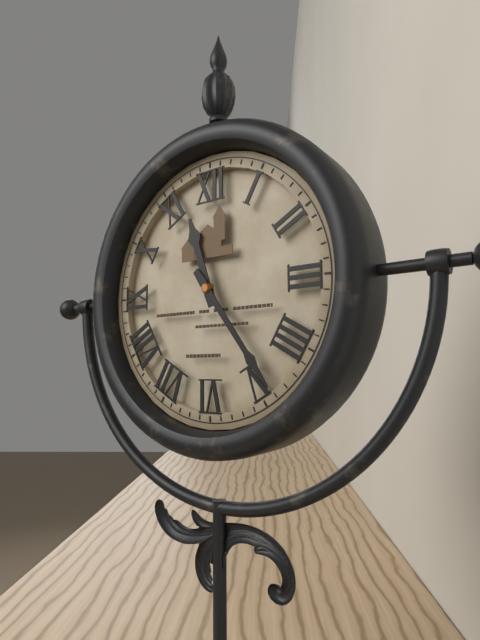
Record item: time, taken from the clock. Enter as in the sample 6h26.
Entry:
11h24
